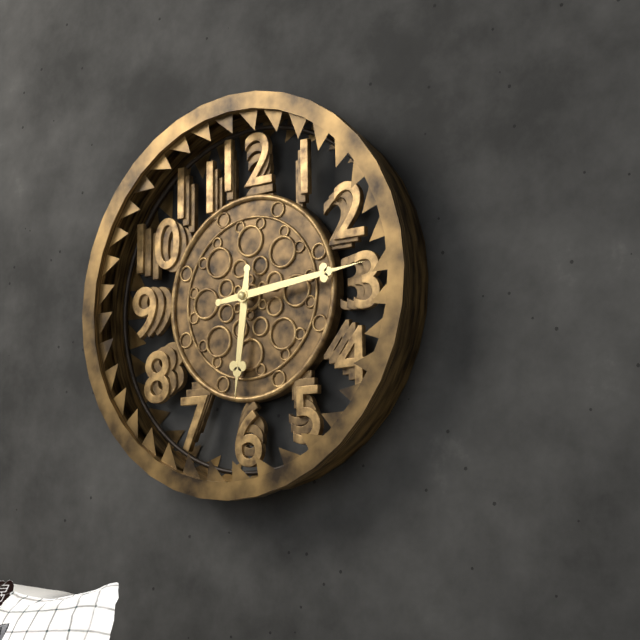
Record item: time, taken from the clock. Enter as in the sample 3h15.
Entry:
6h14
